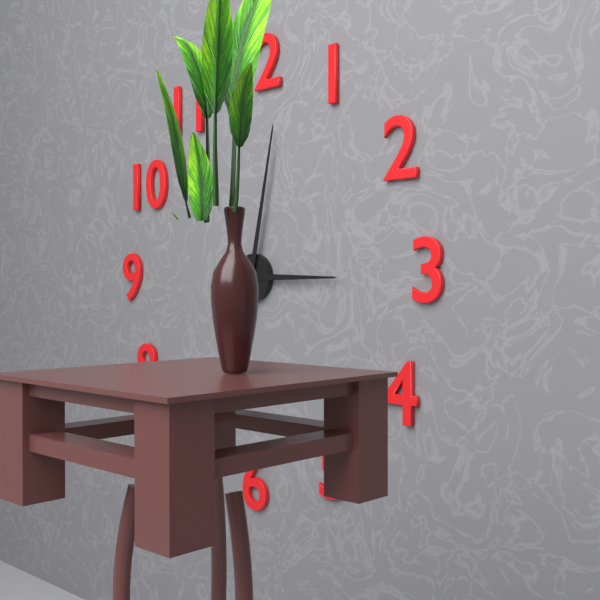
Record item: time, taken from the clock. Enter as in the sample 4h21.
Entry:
3h02
